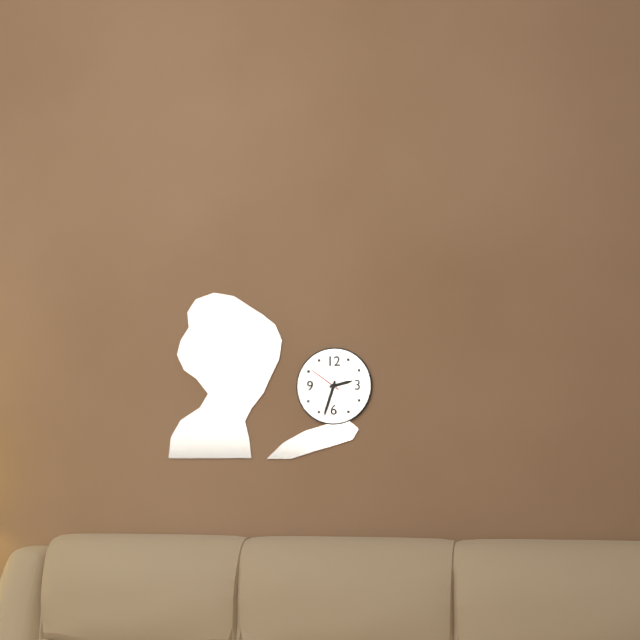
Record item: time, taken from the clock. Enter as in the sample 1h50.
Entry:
2h33
